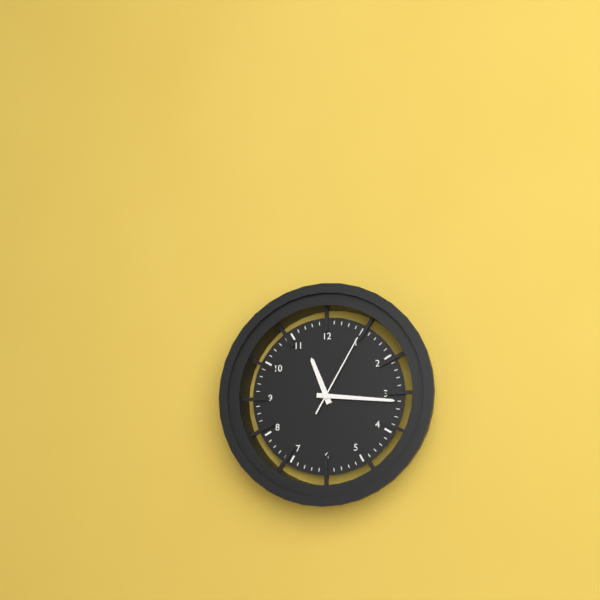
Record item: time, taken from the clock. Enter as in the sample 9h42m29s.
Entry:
11h16m05s
